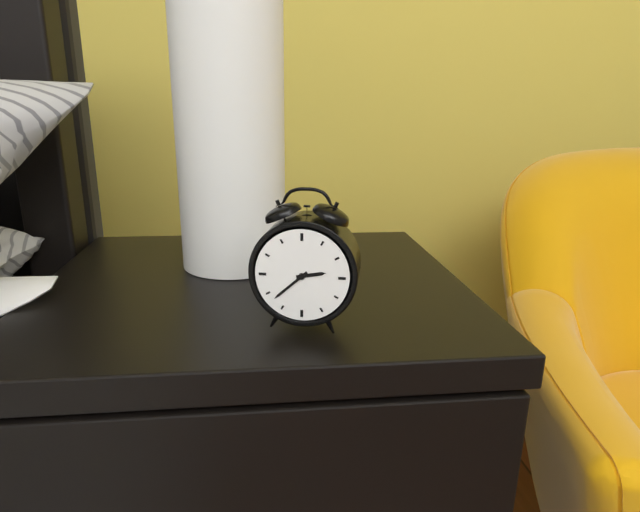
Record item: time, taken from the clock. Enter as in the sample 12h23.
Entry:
2h38
